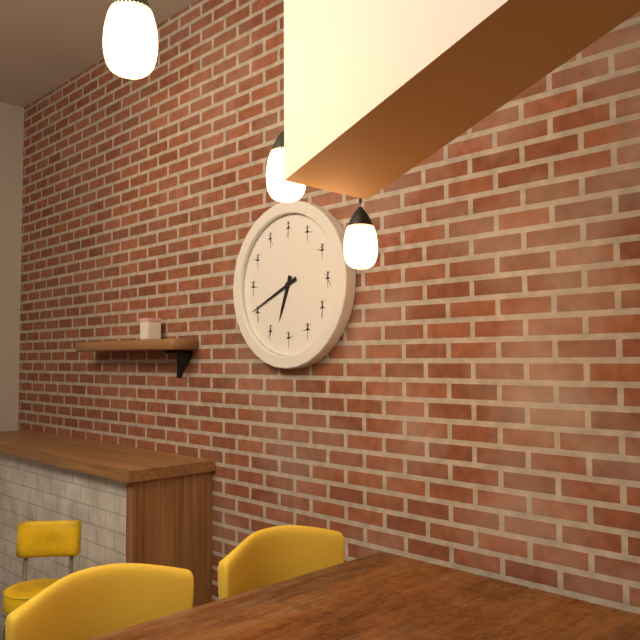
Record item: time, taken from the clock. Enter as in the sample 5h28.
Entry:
6h41
